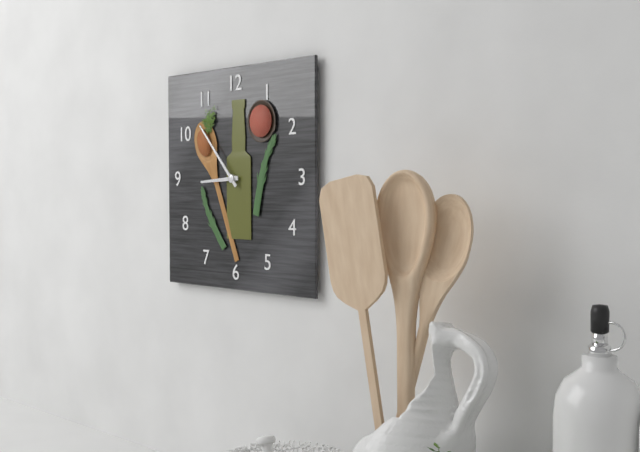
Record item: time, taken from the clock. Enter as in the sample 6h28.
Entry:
8h53
